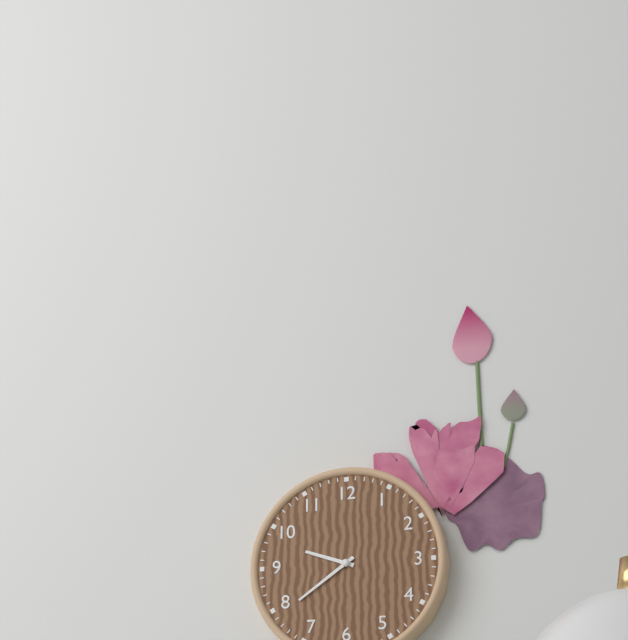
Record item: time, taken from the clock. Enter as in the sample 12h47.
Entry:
9h39
